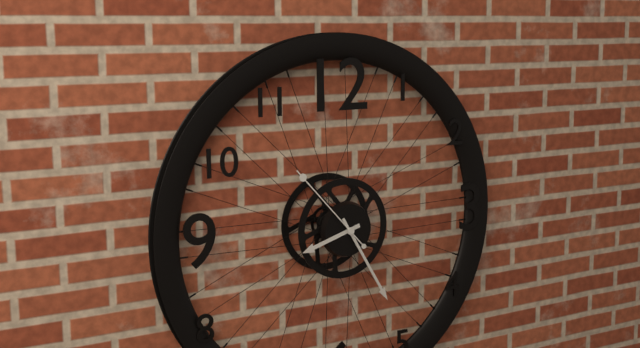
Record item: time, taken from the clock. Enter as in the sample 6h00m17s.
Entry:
8h25m53s
